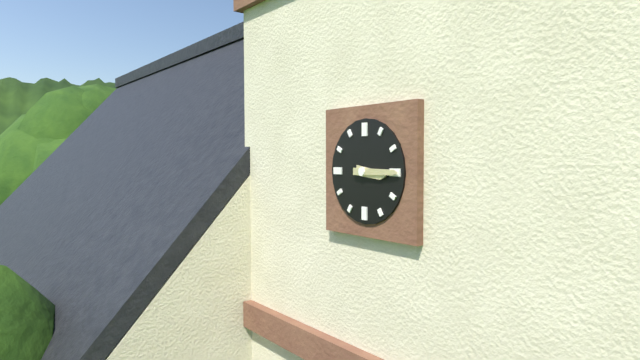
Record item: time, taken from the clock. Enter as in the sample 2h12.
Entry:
3h15
